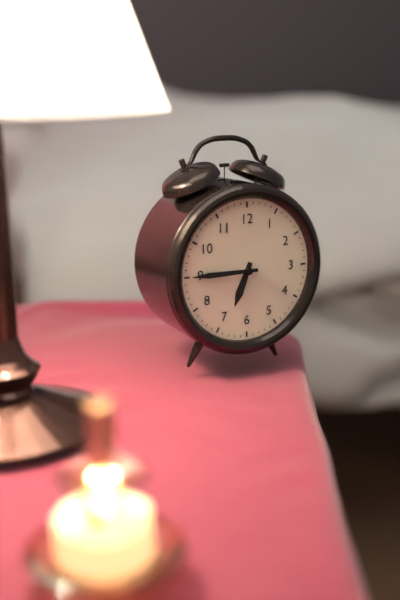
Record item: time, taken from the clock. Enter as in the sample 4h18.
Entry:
6h45
